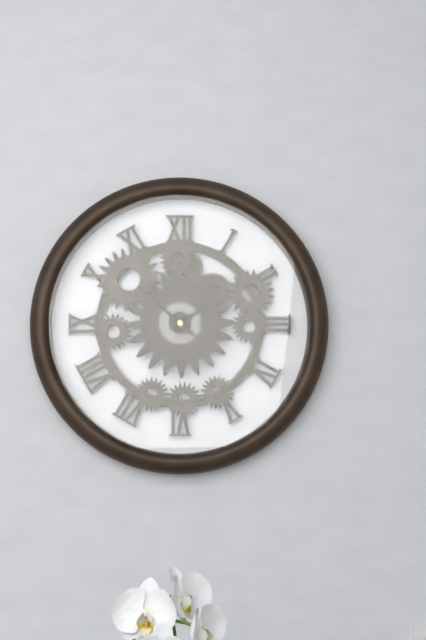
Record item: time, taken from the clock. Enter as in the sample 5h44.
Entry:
1h52
